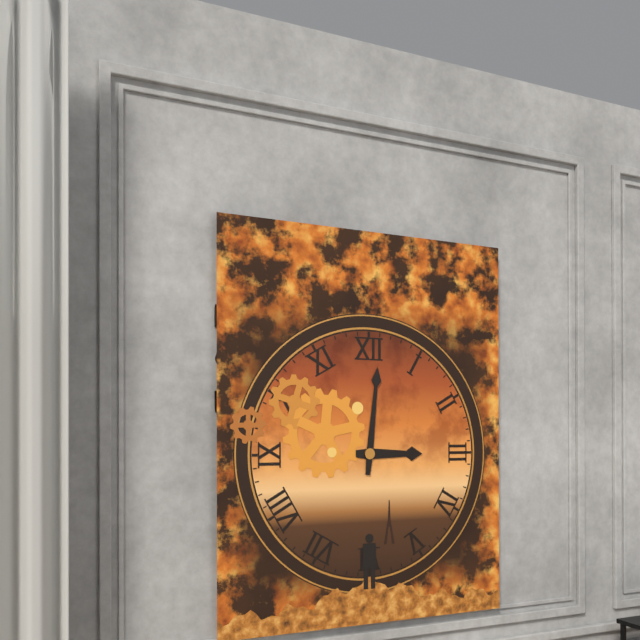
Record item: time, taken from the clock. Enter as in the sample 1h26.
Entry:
3h01
